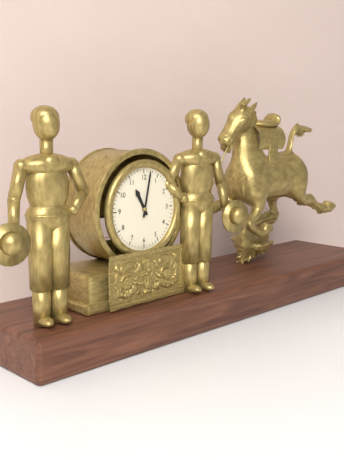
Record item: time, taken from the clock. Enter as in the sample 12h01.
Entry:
11h02
